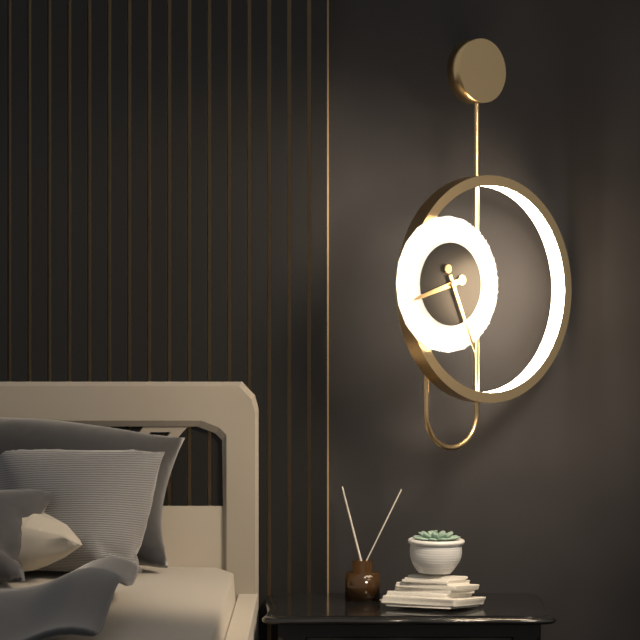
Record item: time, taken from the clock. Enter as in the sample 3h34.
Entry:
8h26
